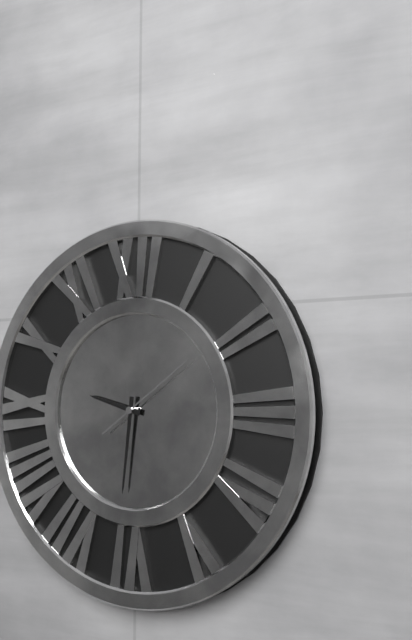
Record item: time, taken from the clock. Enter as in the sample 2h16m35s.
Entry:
9h31m09s
